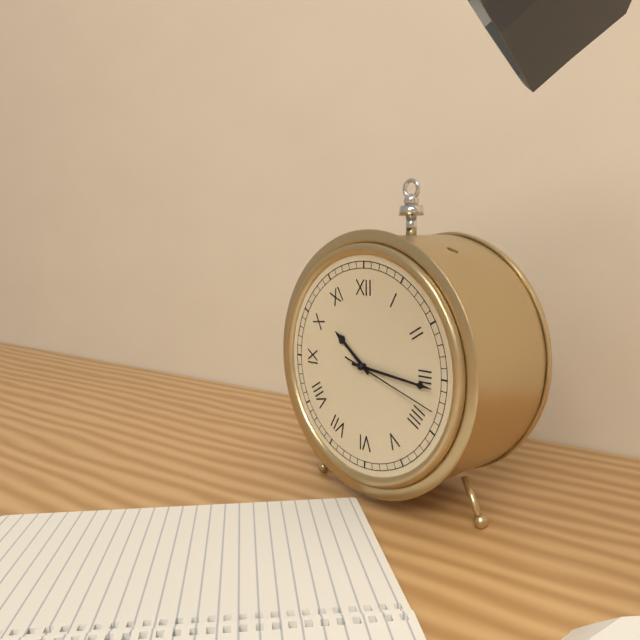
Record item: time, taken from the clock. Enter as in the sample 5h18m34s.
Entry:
10h16m18s
